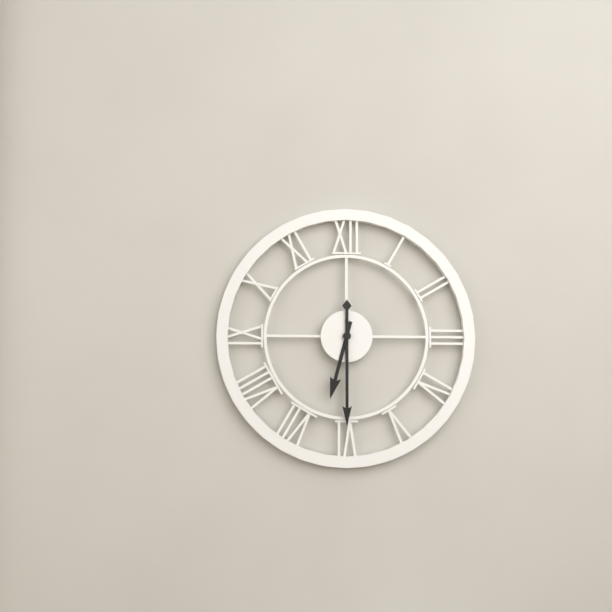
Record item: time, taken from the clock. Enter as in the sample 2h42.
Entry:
6h30
